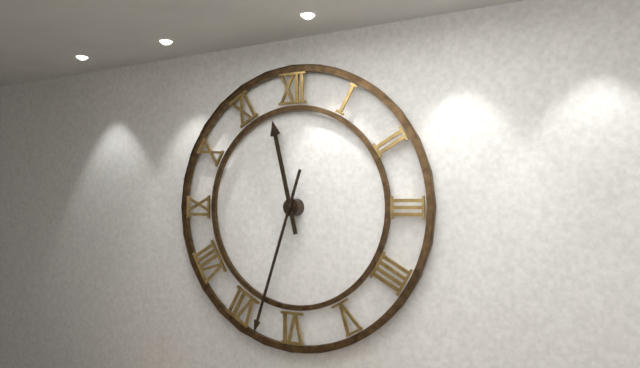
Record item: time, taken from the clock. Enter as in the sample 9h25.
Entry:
11h33
